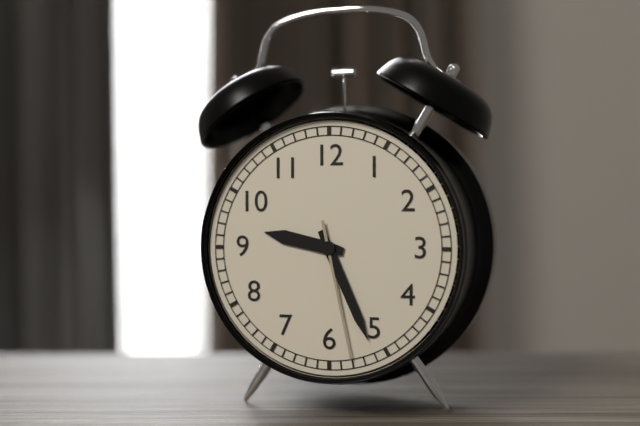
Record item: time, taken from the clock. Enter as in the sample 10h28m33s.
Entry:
9h26m28s
